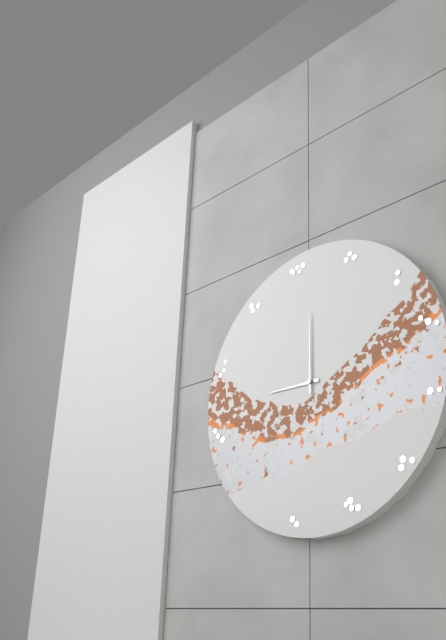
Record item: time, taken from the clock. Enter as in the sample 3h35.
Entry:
9h00
